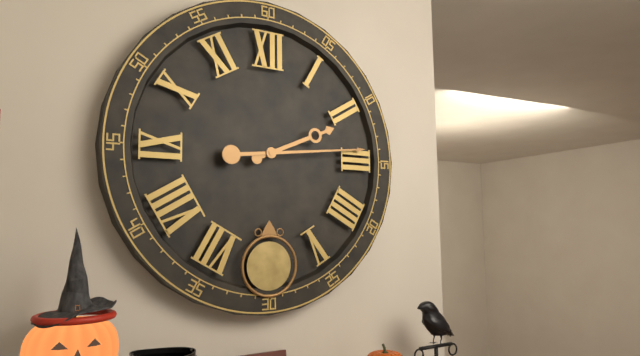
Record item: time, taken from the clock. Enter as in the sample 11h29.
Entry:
2h14
